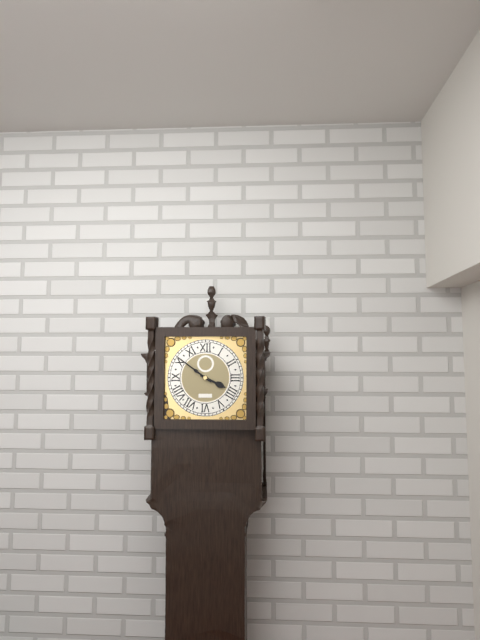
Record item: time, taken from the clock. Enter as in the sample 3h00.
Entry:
3h51
